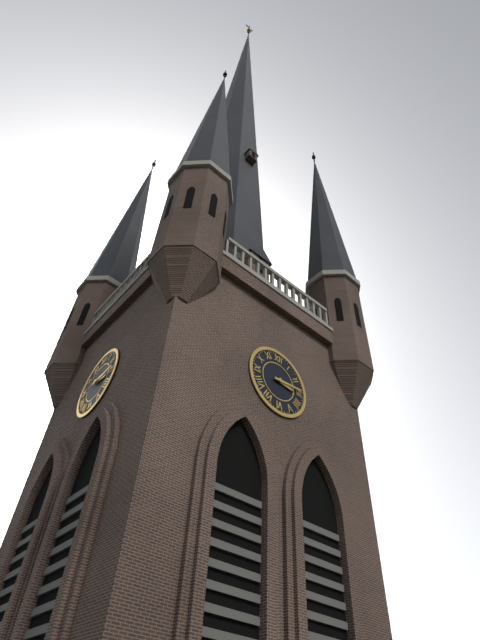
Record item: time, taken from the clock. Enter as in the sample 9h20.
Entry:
3h14
